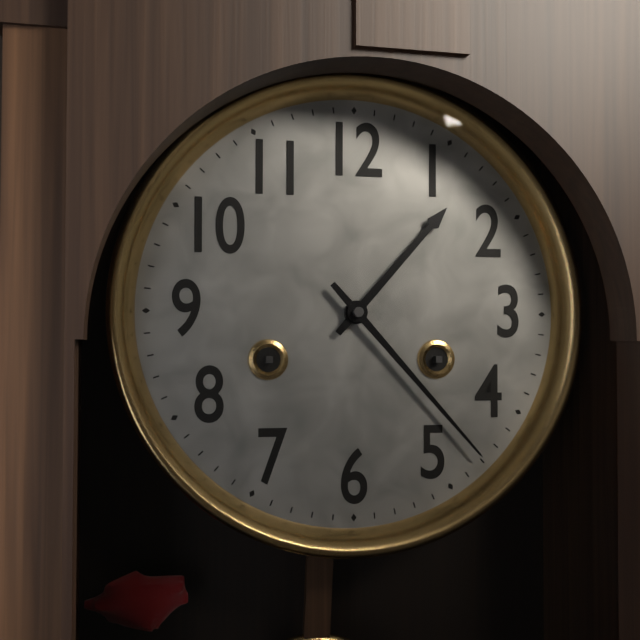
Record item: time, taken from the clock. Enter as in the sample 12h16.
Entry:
1h23
